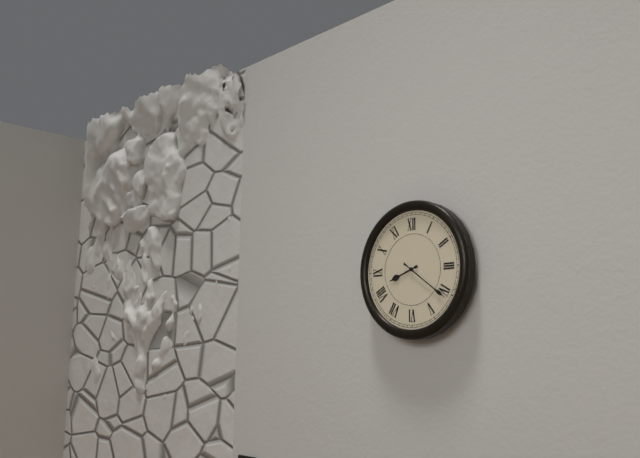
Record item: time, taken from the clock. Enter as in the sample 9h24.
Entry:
8h21
